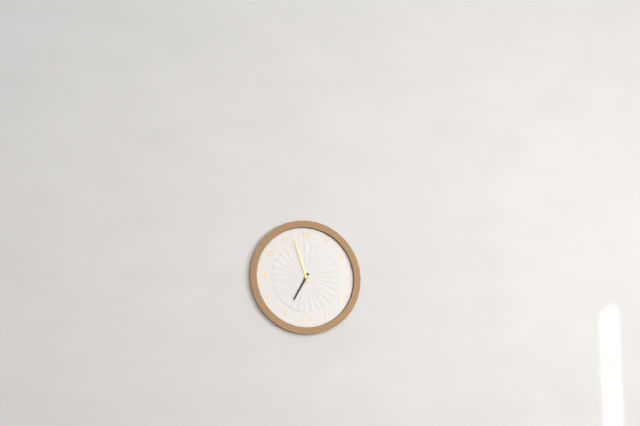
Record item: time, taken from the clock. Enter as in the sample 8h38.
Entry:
6h57
